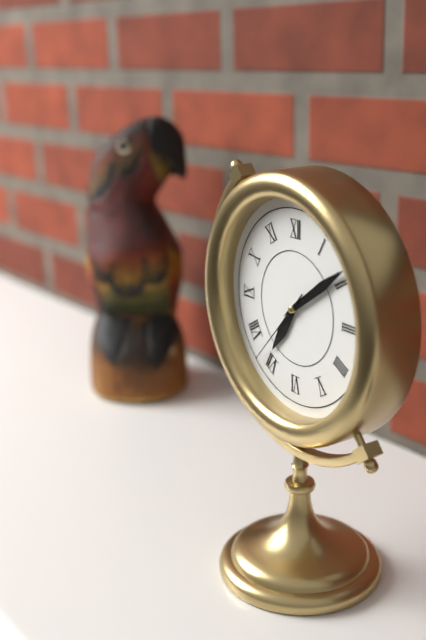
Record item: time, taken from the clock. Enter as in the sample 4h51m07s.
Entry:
7h09m37s
